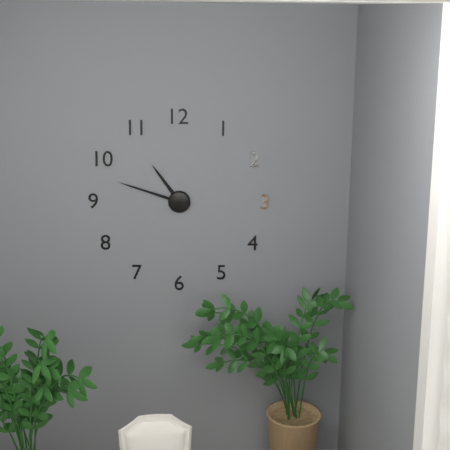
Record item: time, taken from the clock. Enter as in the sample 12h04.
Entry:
10h48
